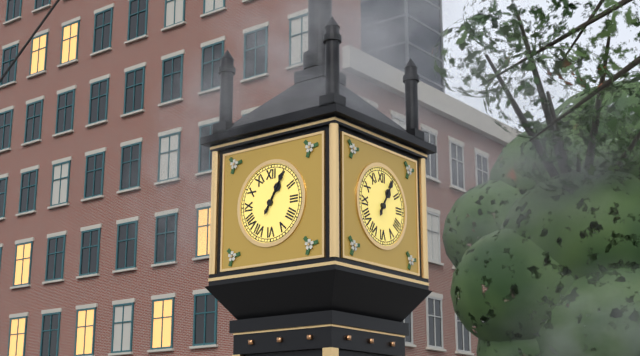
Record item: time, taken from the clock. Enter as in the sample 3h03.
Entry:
1h05
